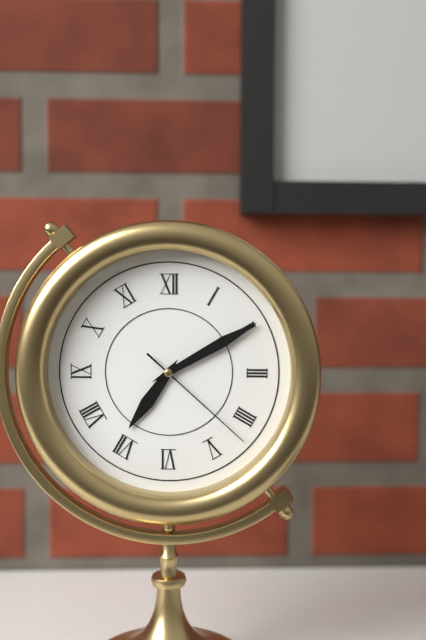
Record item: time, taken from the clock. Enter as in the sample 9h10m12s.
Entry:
7h10m22s
